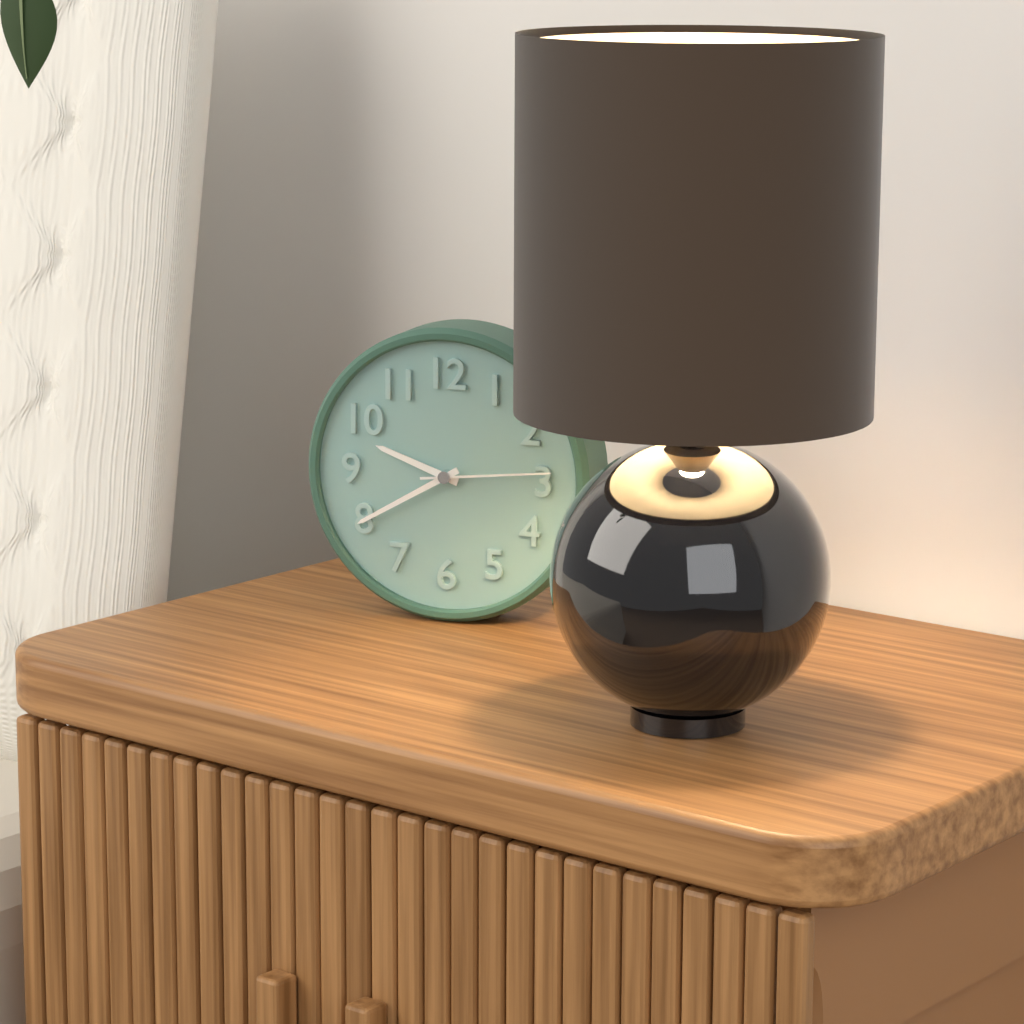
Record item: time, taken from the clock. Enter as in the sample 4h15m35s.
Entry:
9h40m14s
